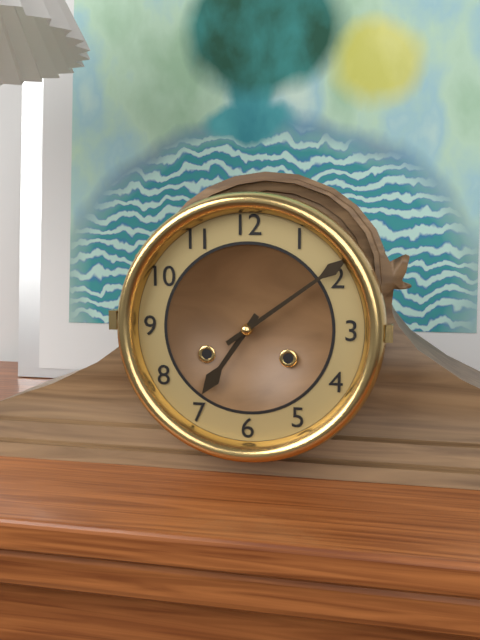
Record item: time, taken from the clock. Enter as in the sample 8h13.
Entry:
7h09
